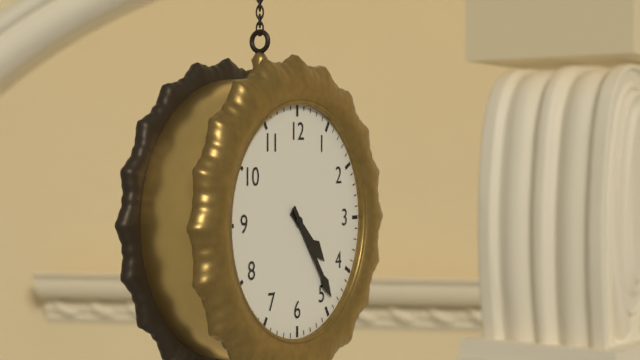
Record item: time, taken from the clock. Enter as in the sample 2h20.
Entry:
4h24
